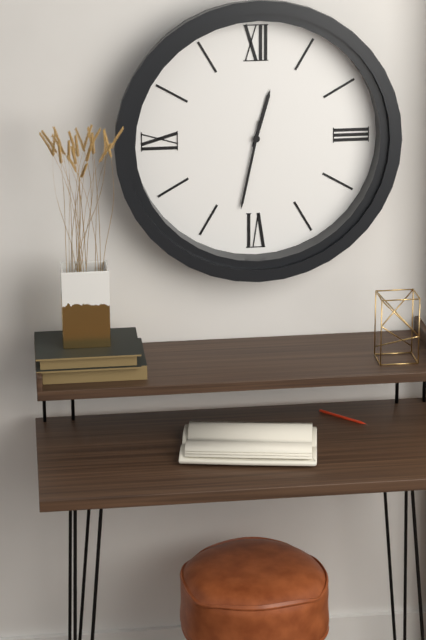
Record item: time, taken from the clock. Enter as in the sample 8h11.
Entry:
12h32
